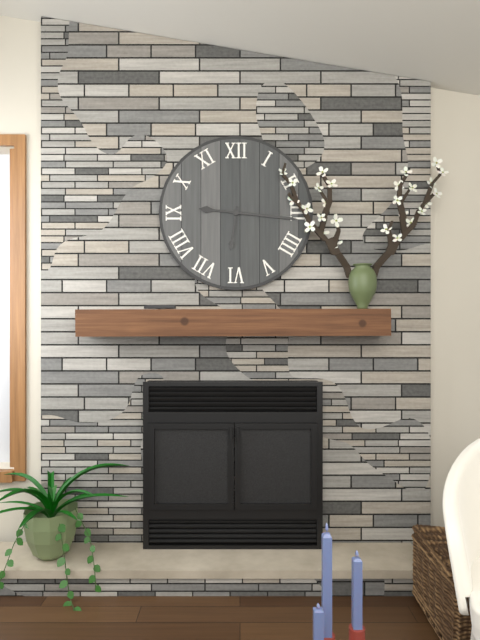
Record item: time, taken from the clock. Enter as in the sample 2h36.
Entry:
6h16
